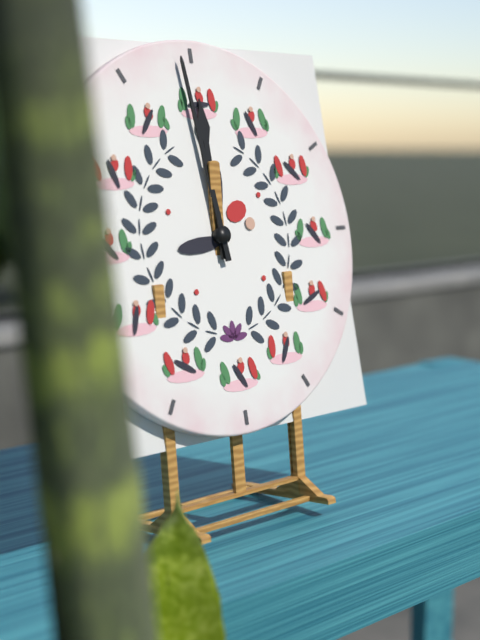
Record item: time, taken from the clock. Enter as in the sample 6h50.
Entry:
11h59
